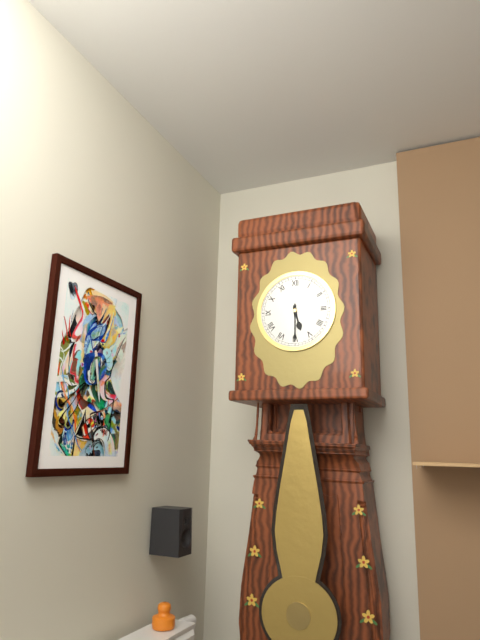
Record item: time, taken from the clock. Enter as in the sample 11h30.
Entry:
5h30
